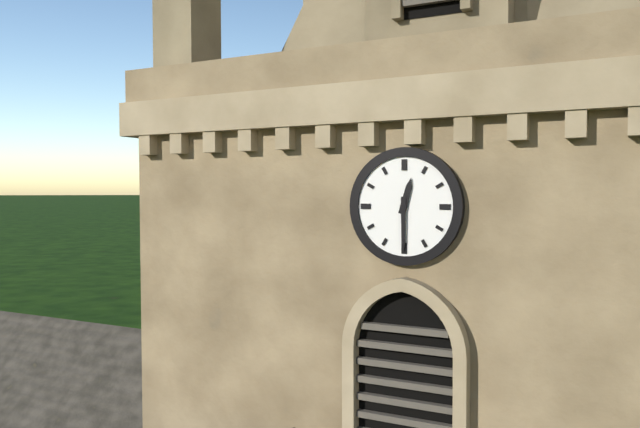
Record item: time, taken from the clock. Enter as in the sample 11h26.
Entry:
12h30
